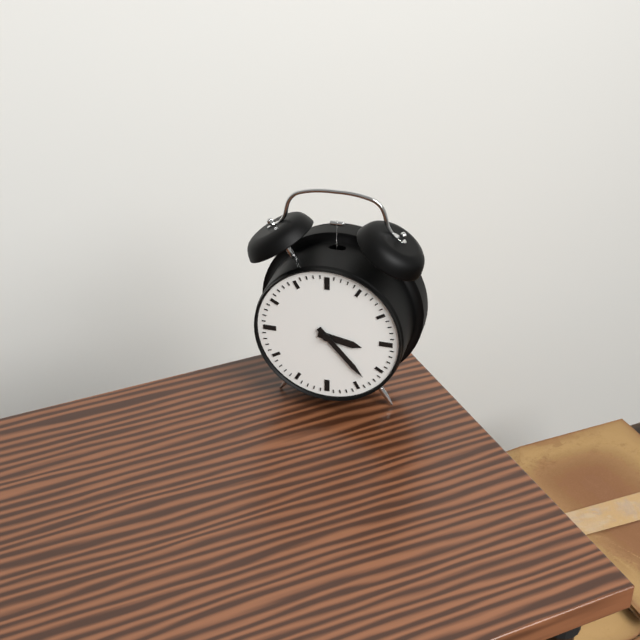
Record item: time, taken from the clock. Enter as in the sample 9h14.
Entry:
3h23
